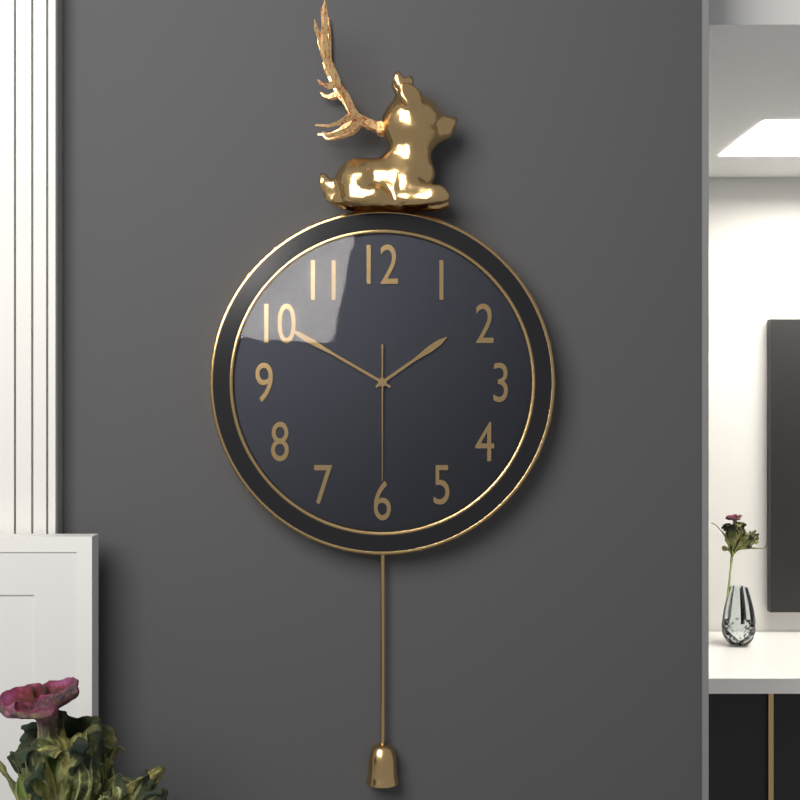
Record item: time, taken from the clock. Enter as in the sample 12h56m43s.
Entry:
1h50m30s
